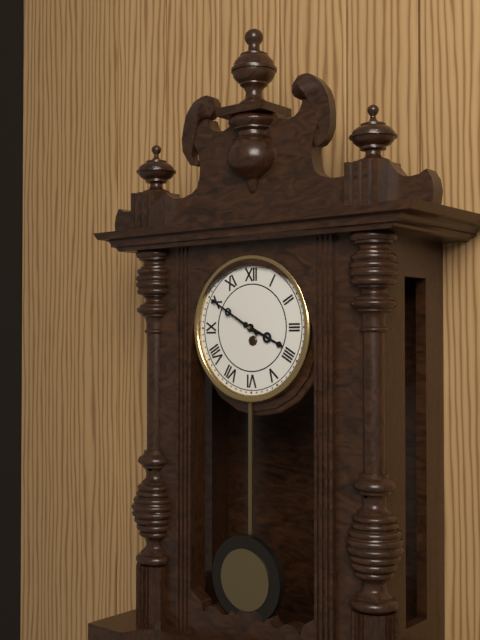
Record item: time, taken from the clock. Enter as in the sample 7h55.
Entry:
3h50
